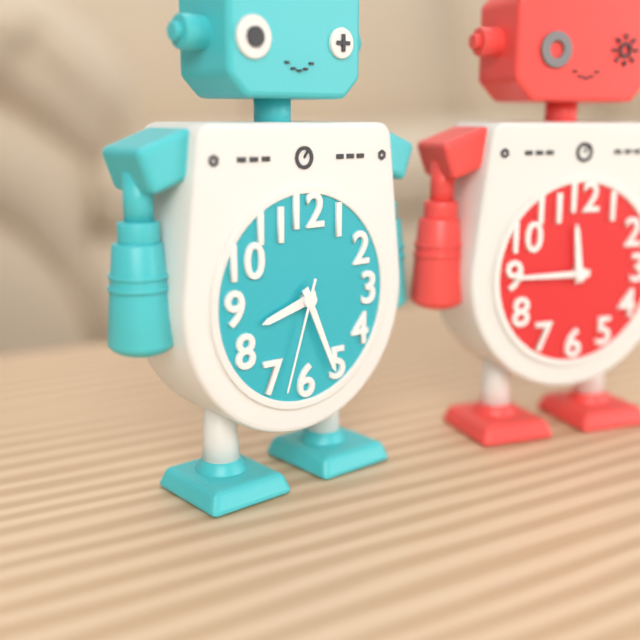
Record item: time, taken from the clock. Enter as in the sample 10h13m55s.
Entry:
8h26m33s
